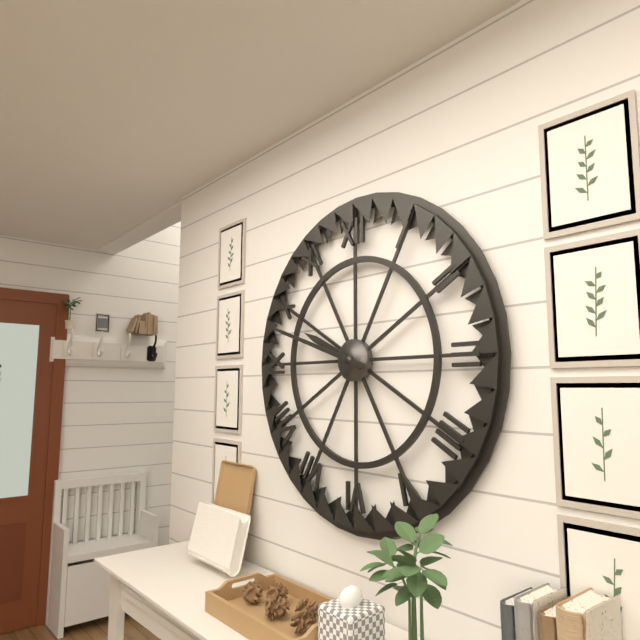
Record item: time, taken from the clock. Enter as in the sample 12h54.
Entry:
9h48
